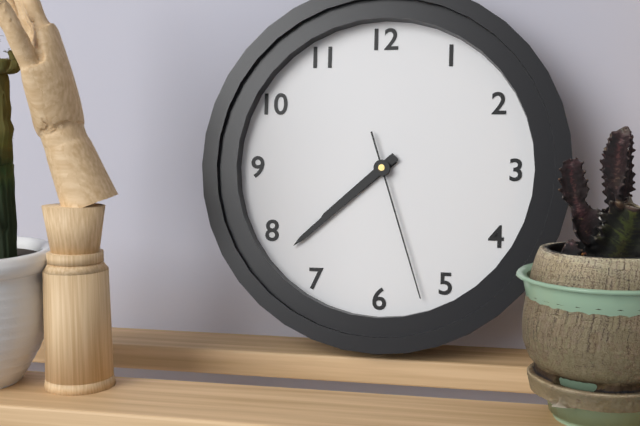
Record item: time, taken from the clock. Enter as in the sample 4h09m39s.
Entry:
7h38m27s
